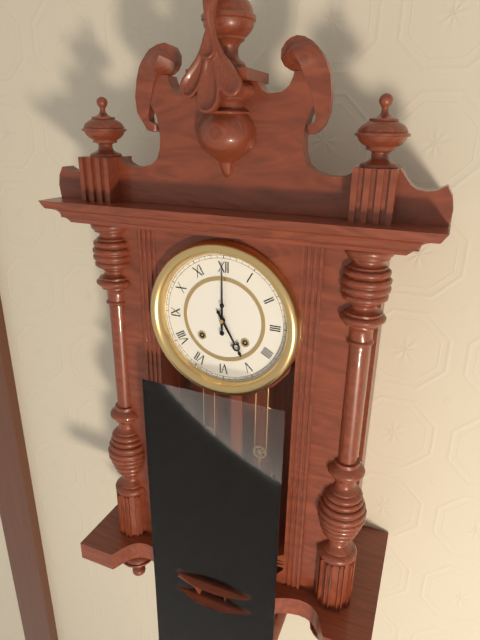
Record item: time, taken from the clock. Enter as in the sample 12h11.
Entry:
5h00
